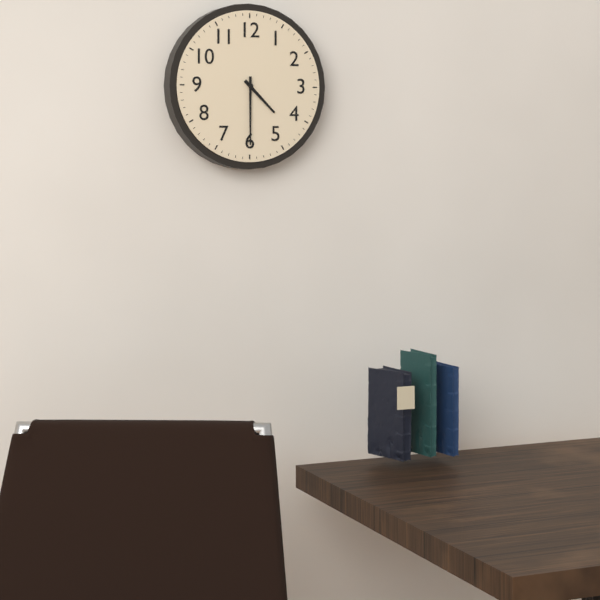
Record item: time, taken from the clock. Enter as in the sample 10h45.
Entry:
4h30
